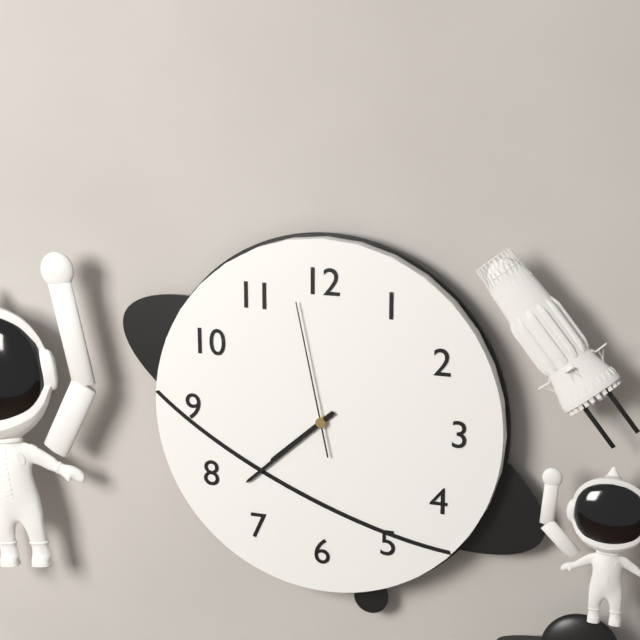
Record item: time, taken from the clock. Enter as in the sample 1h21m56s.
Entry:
7h38m58s
